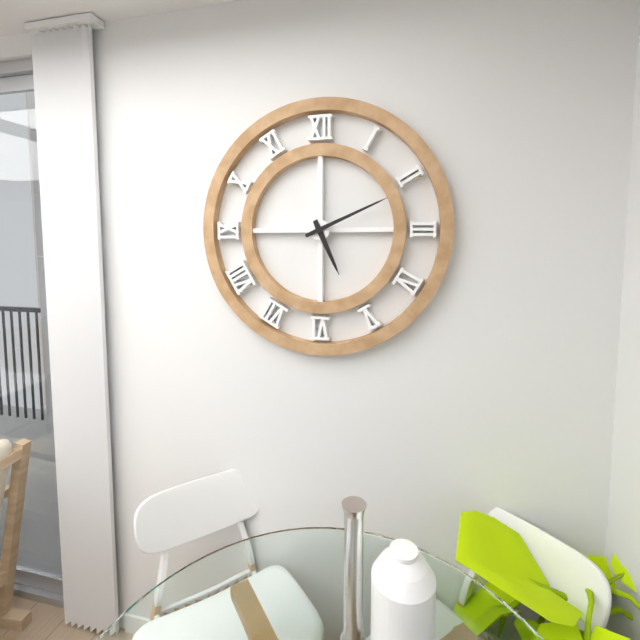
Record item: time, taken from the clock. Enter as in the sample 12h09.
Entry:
5h11
